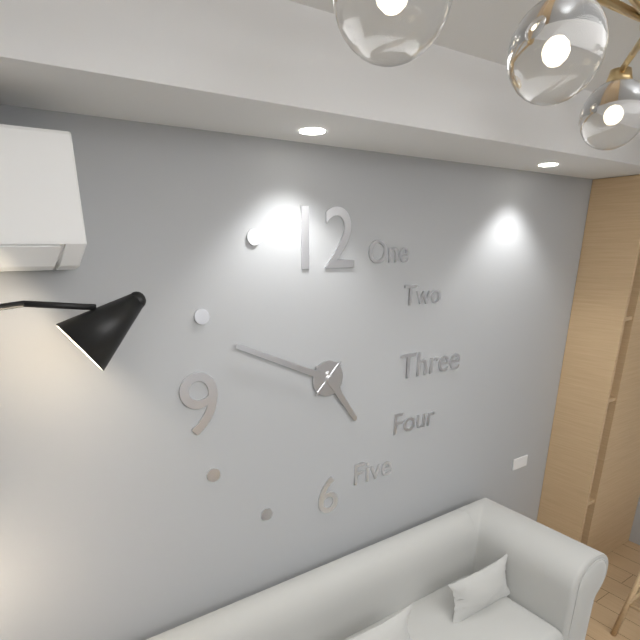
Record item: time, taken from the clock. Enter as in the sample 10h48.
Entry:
4h49
